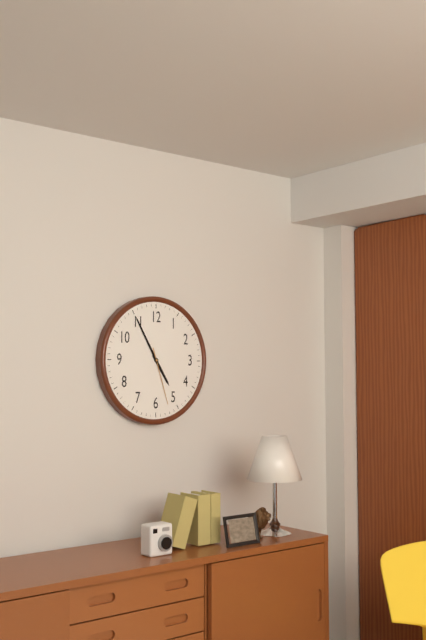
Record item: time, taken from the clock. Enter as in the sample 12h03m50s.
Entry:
4h55m27s
